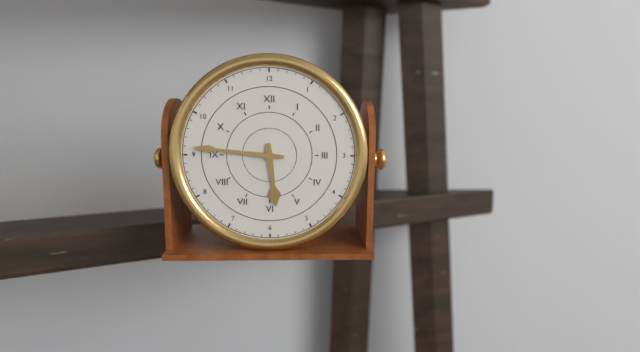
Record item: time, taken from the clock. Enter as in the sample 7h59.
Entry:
5h46
